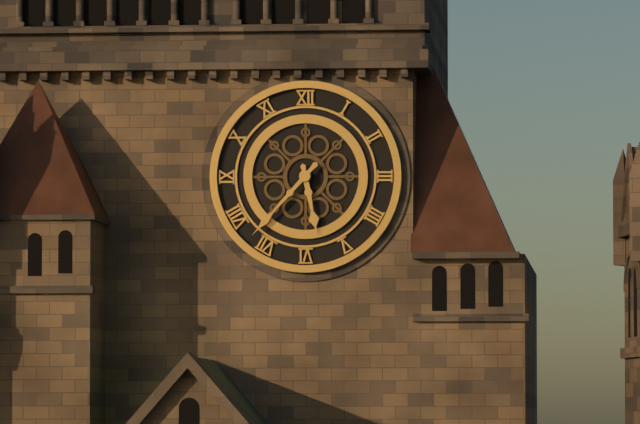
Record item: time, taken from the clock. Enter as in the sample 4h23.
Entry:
5h37
